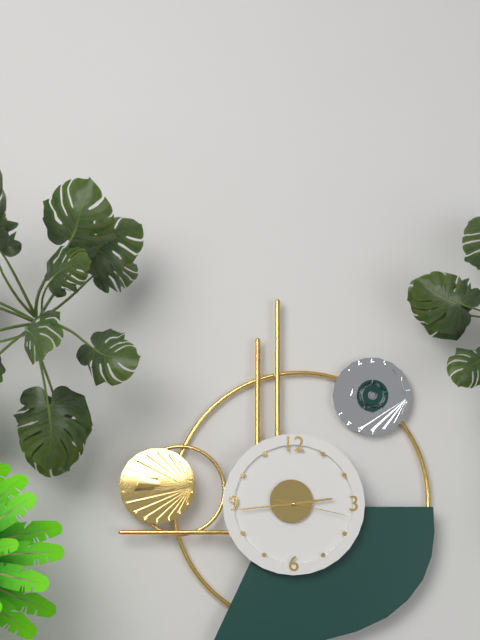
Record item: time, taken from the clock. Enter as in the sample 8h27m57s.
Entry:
2h44m17s
